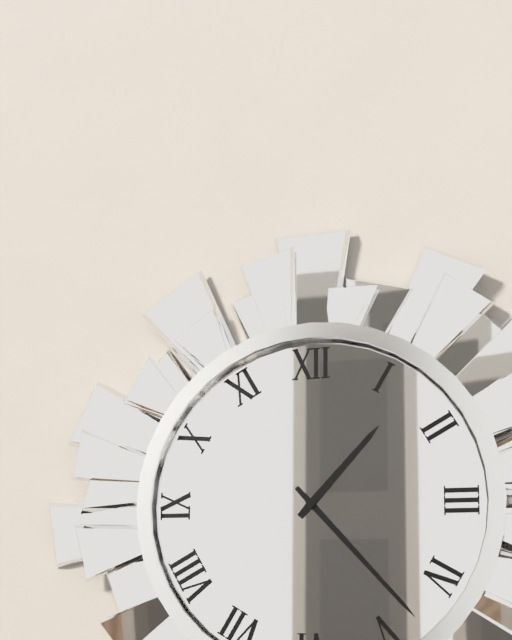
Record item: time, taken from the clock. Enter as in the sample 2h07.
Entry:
1h23
